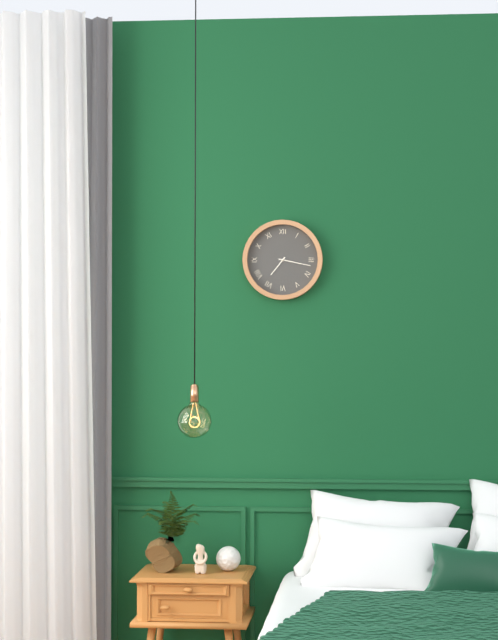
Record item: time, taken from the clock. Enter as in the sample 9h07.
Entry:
7h17
